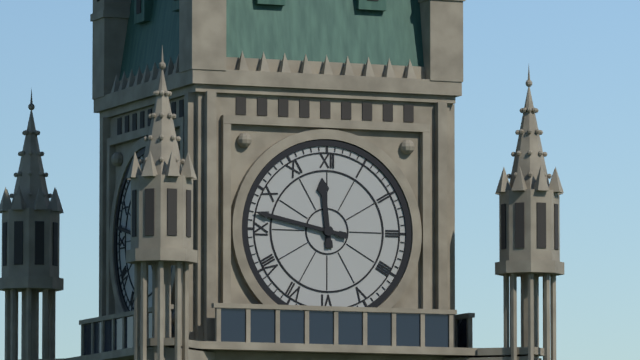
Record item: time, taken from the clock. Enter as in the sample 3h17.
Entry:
11h47
